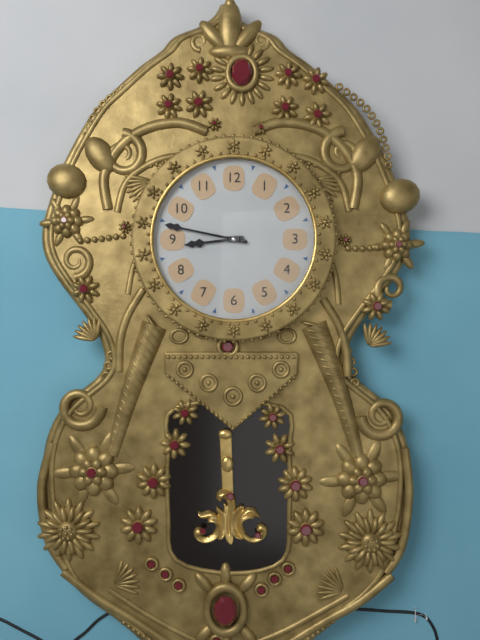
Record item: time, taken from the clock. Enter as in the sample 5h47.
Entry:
8h47
